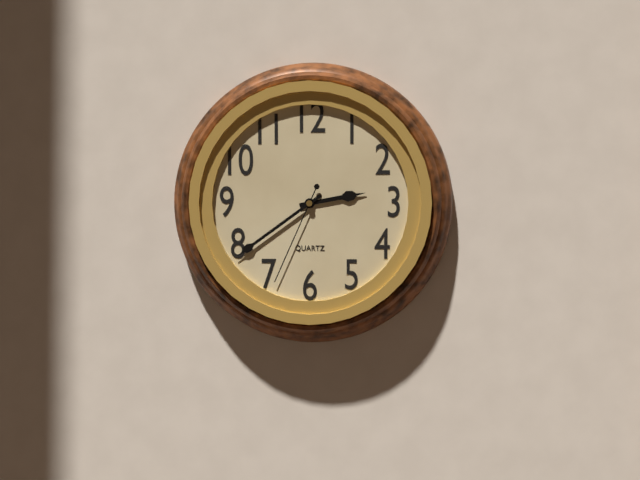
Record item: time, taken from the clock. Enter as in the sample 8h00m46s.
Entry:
2h39m34s
